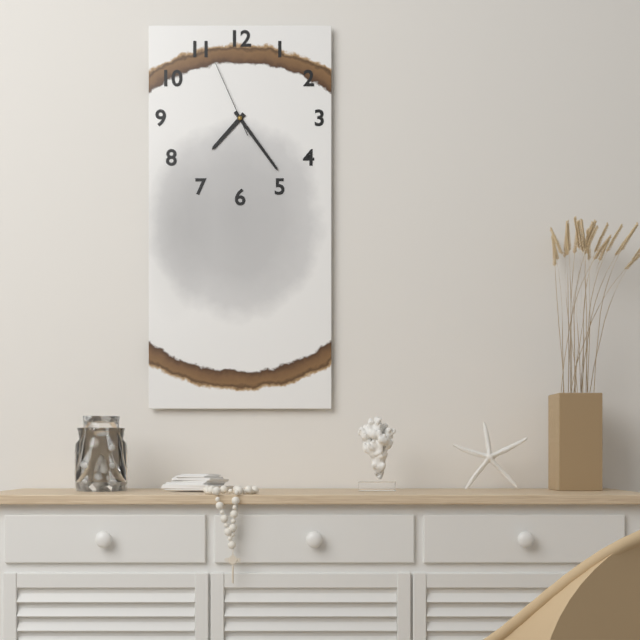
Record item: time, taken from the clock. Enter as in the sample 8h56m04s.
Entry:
7h24m56s
